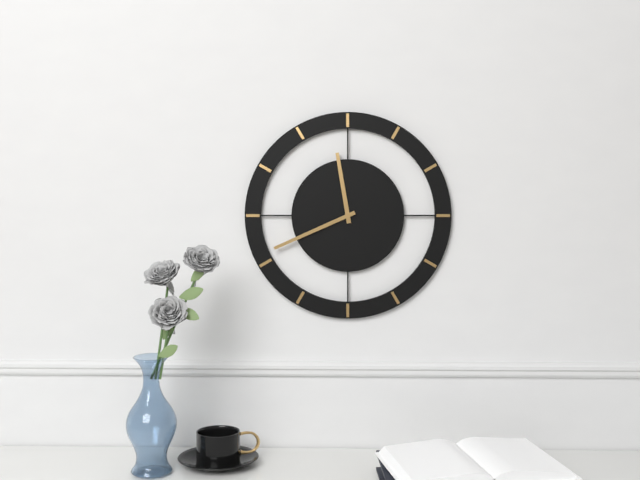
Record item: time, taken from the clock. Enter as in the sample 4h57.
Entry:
11h41
